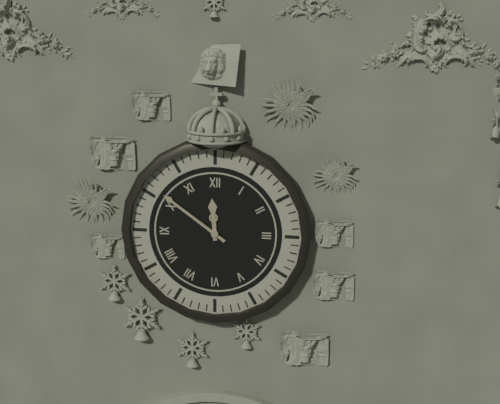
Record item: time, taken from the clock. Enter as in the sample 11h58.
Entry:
11h51
